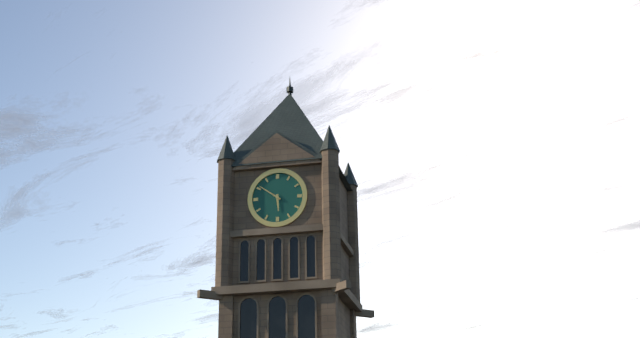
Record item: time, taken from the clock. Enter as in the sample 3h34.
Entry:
5h51
